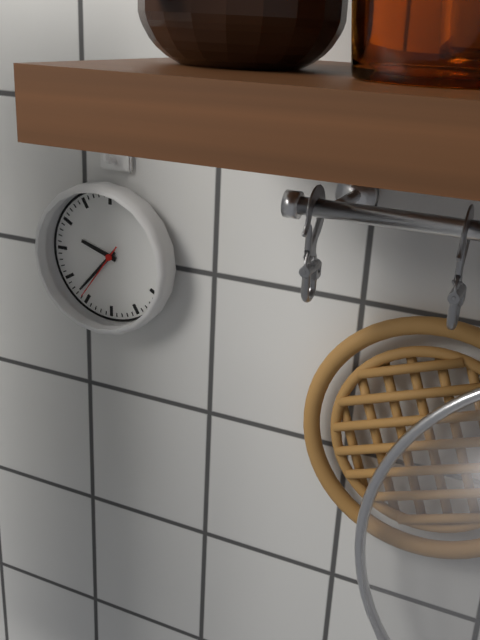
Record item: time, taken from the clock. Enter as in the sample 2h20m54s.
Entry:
9h37m36s
